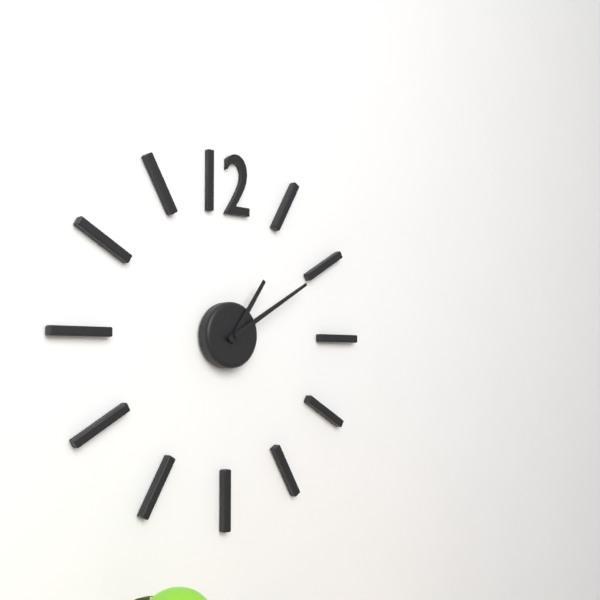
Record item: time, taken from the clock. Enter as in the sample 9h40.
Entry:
1h10
